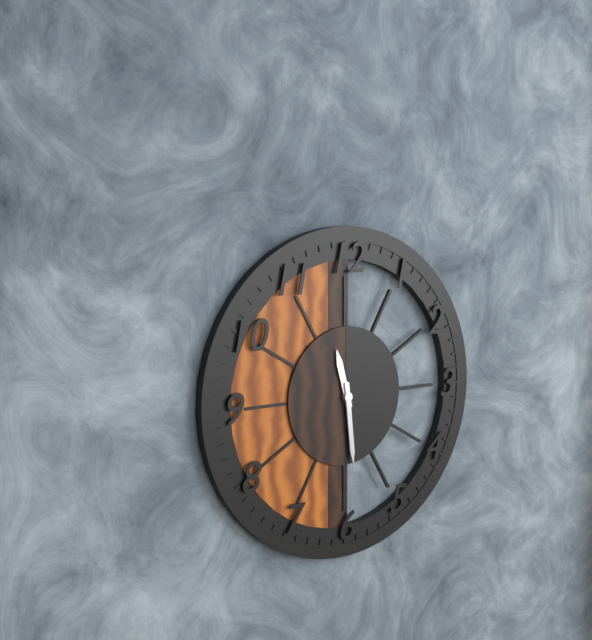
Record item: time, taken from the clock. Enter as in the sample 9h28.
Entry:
11h29
